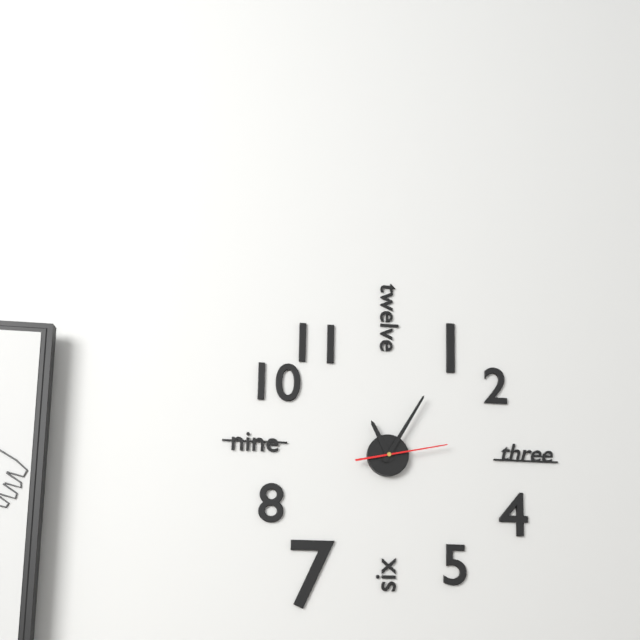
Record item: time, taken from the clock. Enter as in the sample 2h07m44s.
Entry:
11h05m13s
